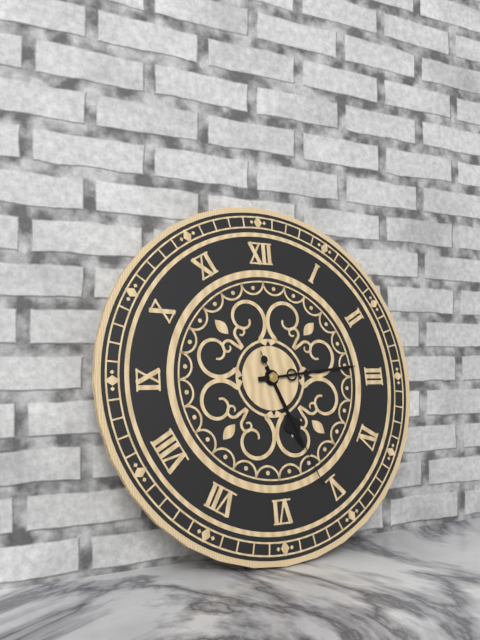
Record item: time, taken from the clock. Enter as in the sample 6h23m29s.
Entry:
5h14m26s
